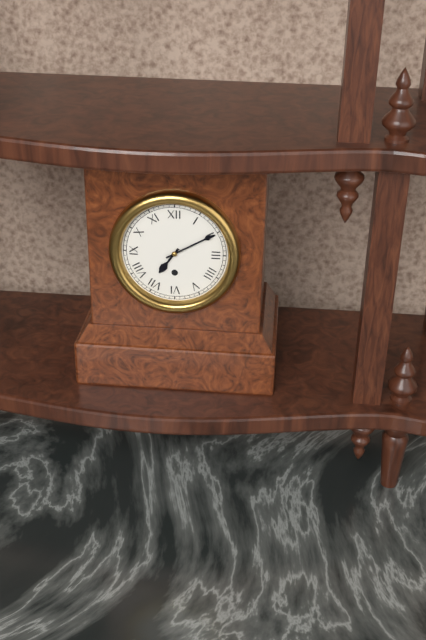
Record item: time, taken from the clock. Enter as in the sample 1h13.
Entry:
7h10
